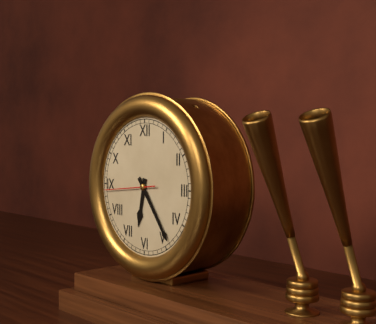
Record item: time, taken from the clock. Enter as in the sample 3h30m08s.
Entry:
6h24m44s
